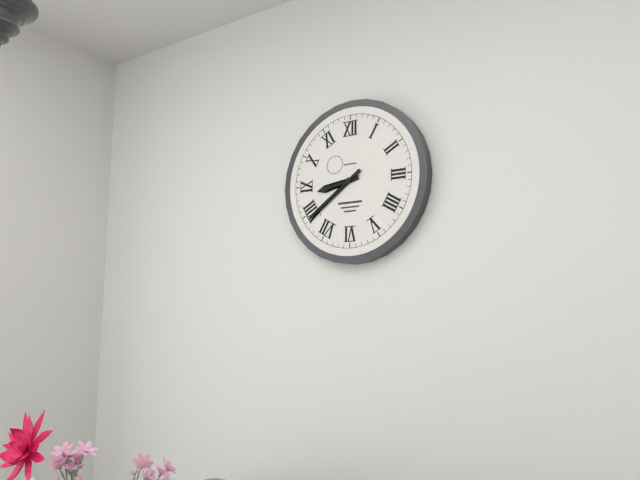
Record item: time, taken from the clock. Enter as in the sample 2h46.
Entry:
8h39
